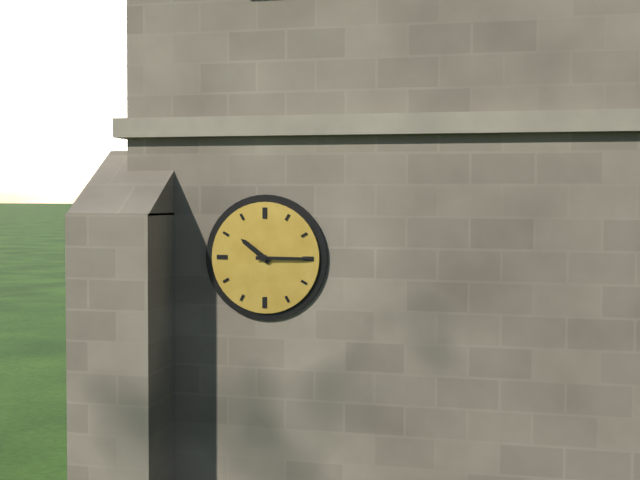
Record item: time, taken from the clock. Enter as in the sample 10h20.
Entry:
10h15
